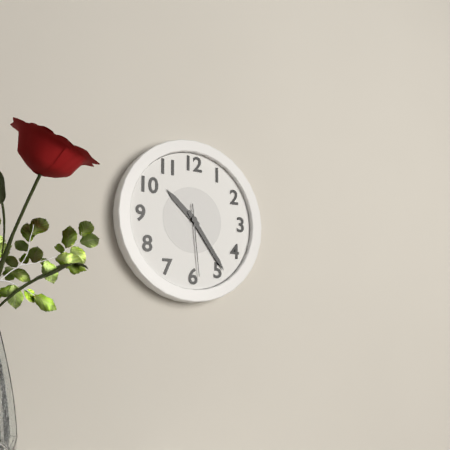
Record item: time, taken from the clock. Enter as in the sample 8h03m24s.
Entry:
10h24m29s
